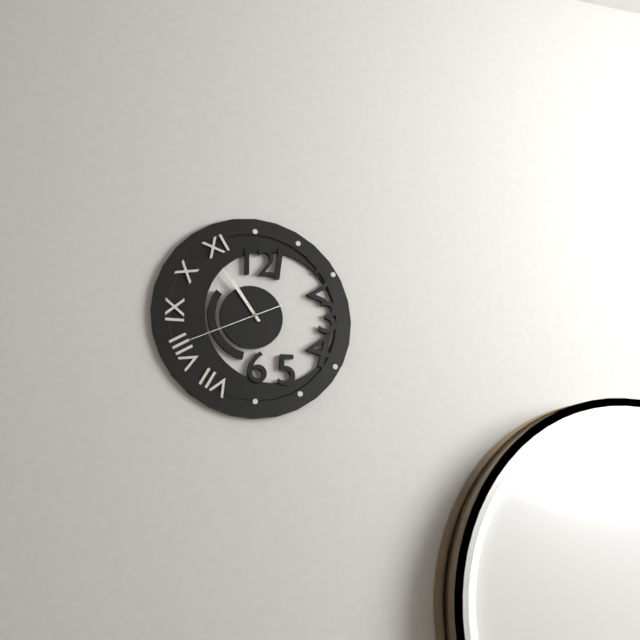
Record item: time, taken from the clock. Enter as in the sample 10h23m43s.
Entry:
10h54m41s
